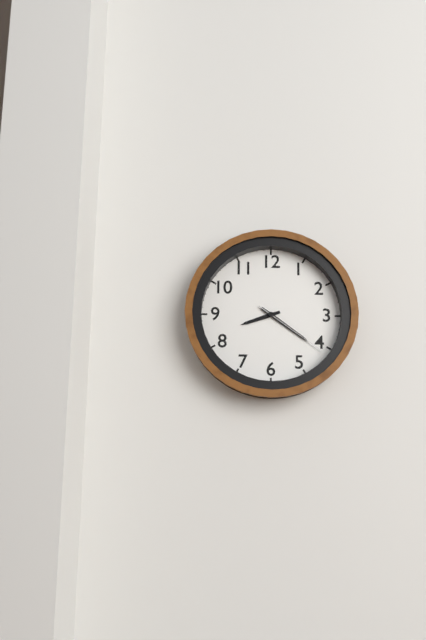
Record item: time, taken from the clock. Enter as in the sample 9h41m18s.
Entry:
8h21m21s
